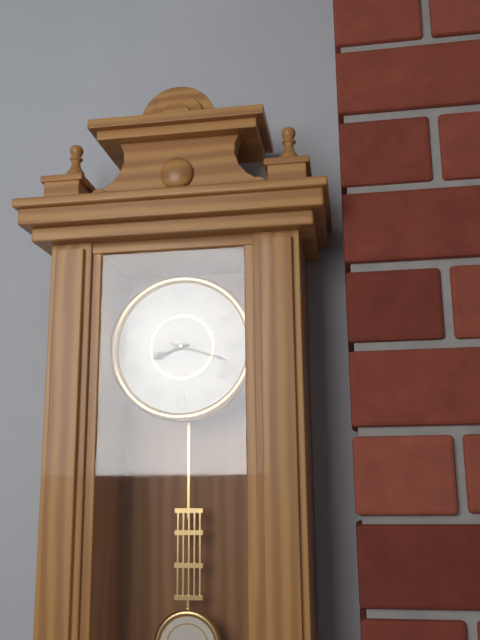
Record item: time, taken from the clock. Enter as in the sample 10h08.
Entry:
8h18
